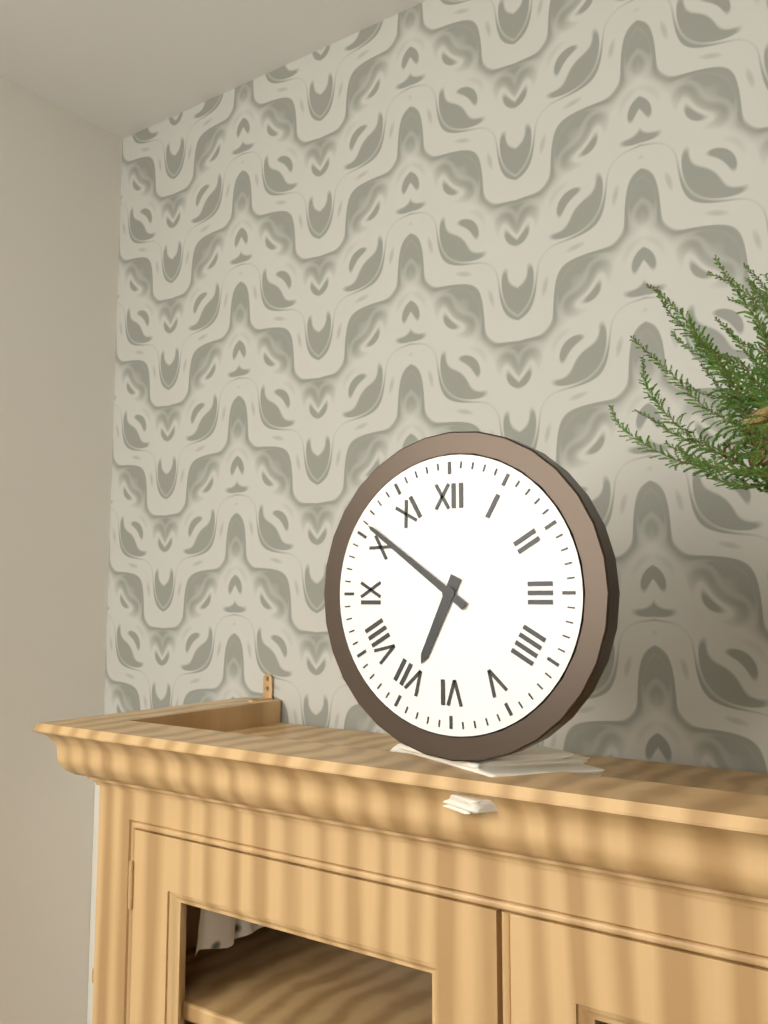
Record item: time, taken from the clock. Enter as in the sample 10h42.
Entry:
6h51
